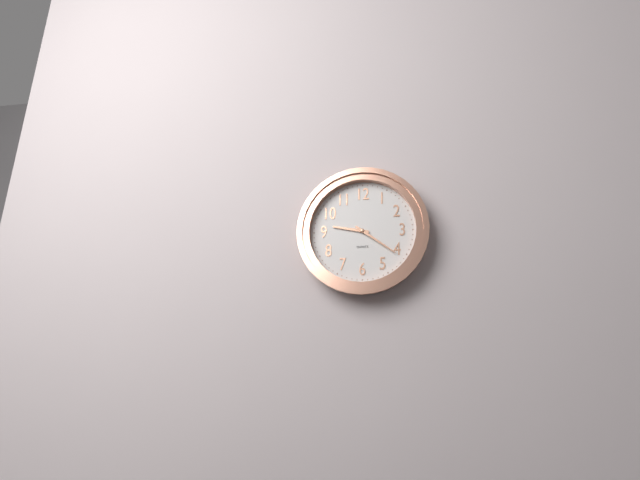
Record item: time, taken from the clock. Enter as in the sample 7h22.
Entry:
9h21
